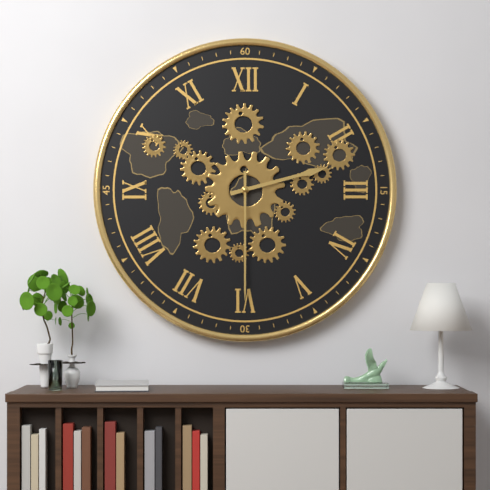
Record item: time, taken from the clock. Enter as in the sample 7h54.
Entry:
2h30
